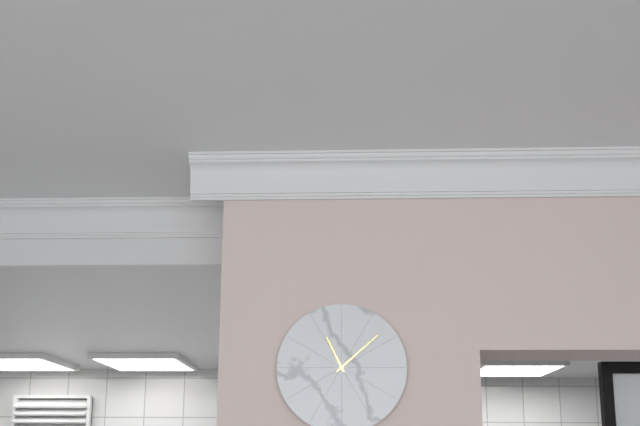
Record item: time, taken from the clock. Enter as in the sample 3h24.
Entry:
11h08
